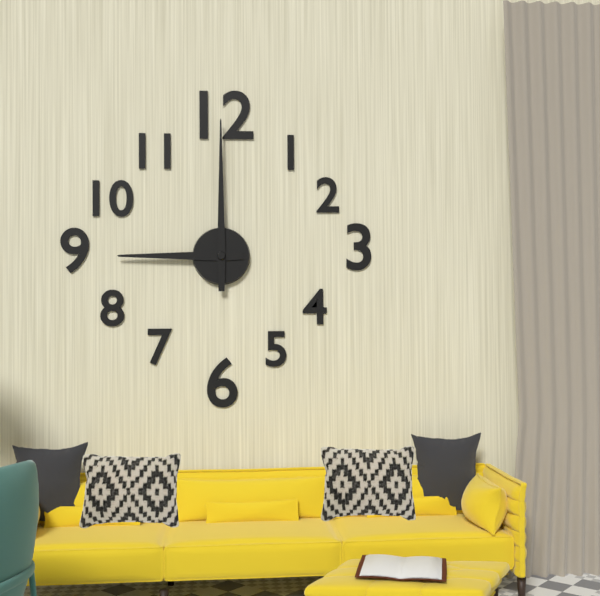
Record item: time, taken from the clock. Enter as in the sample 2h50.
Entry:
9h00
